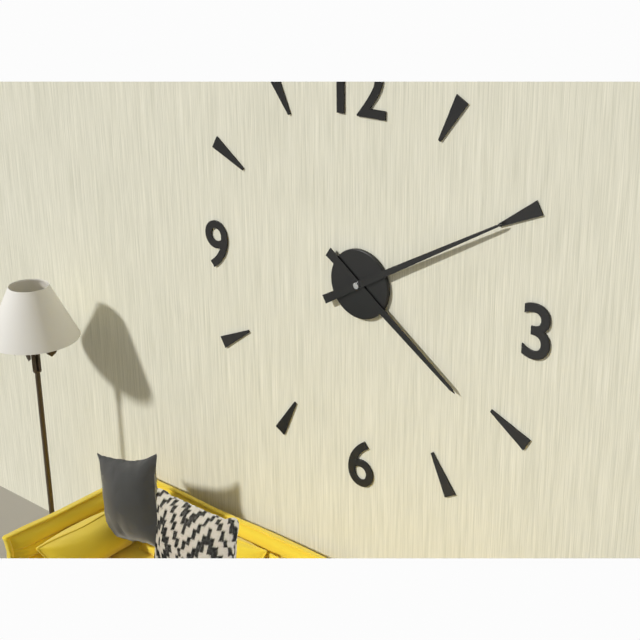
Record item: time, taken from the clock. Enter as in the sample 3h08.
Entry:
4h10
